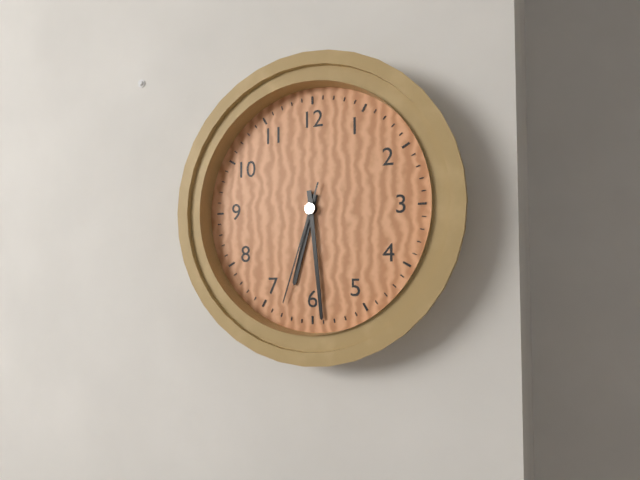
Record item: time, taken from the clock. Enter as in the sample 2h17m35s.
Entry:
6h29m33s
